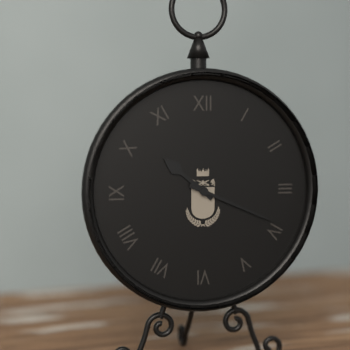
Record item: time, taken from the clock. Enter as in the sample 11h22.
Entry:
10h19
